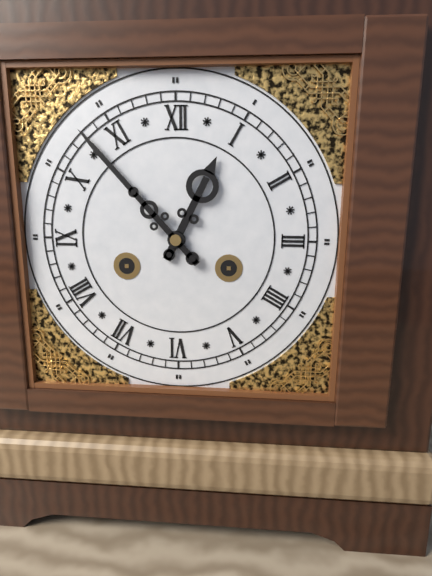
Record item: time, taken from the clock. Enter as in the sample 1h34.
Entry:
12h53
